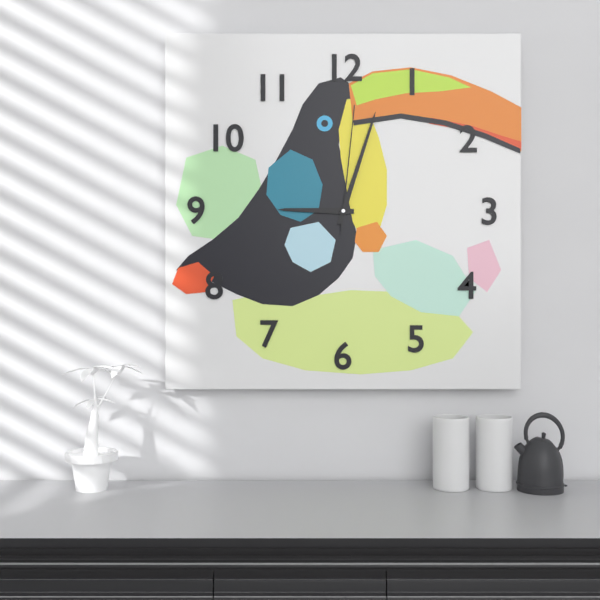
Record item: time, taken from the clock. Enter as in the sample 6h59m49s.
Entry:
9h03m01s
